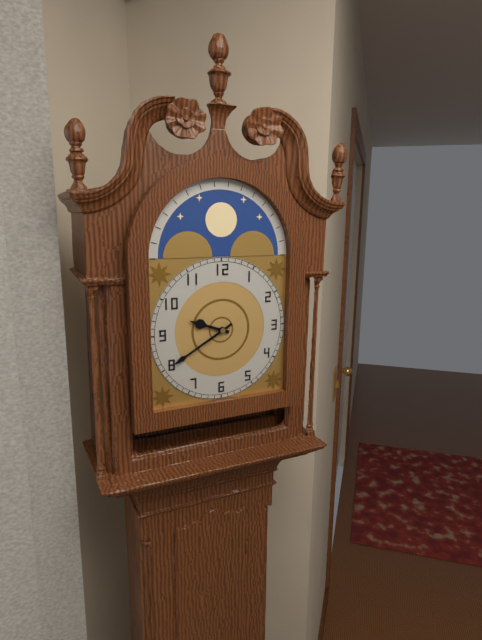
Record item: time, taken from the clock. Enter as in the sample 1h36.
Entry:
9h40
